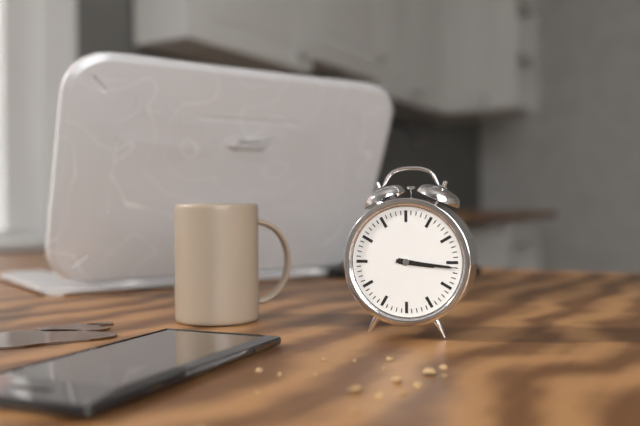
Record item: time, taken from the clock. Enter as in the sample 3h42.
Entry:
3h16
